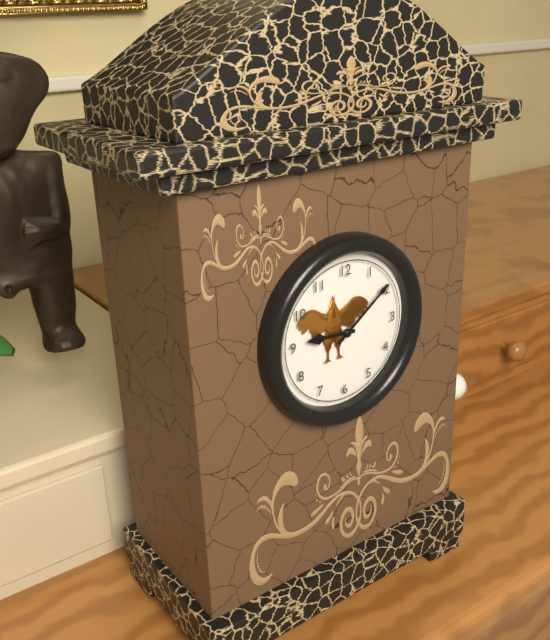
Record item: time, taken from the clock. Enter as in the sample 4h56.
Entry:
9h09
